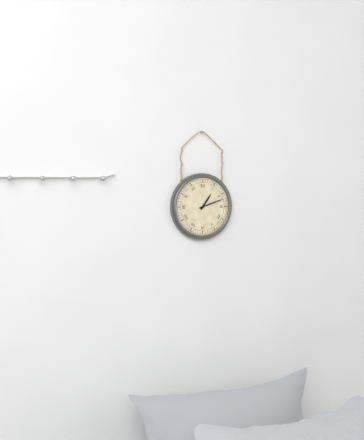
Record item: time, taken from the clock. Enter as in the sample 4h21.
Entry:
1h12
